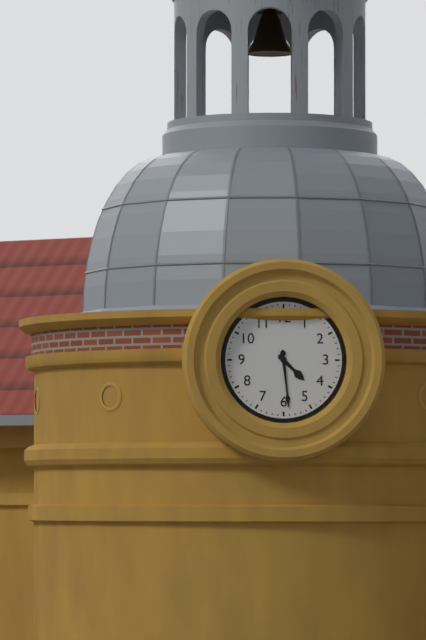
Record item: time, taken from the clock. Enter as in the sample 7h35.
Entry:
4h29
